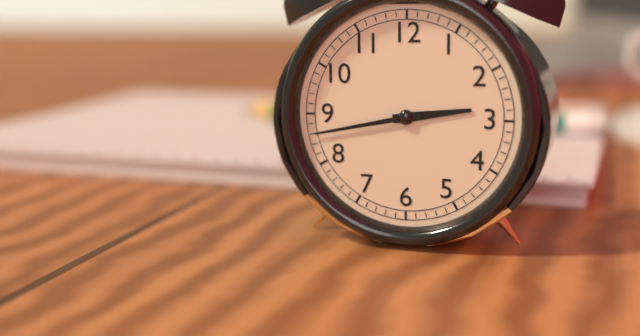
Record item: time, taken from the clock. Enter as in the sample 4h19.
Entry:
2h43
